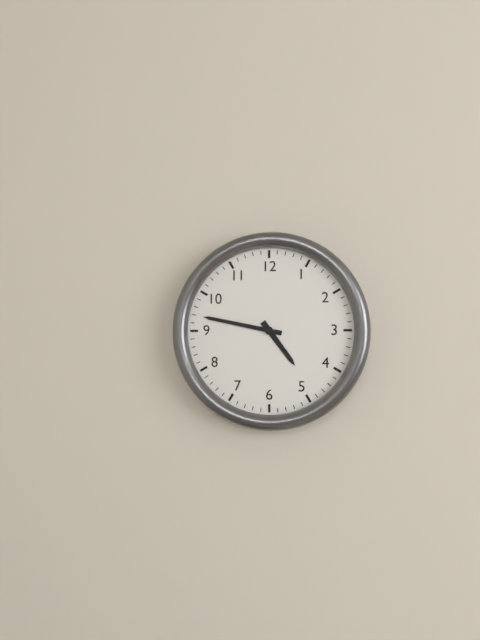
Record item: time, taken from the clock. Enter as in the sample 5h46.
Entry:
4h47
